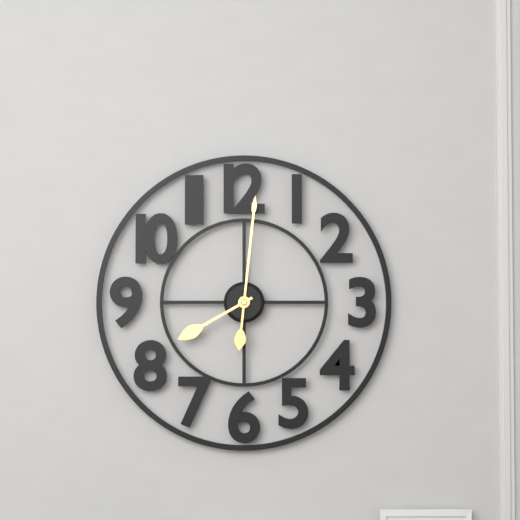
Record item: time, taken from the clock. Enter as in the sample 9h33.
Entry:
8h01
